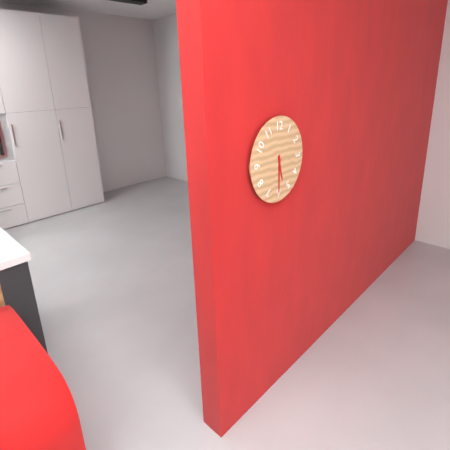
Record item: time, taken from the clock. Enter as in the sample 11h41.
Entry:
5h30
